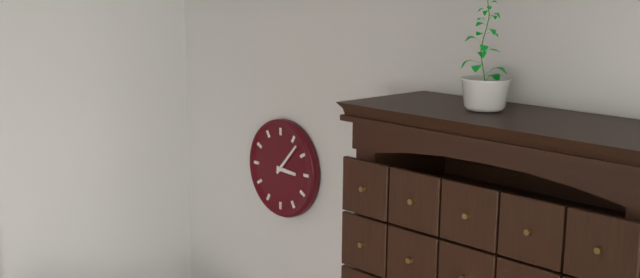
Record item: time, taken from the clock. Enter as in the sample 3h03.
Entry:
3h07
